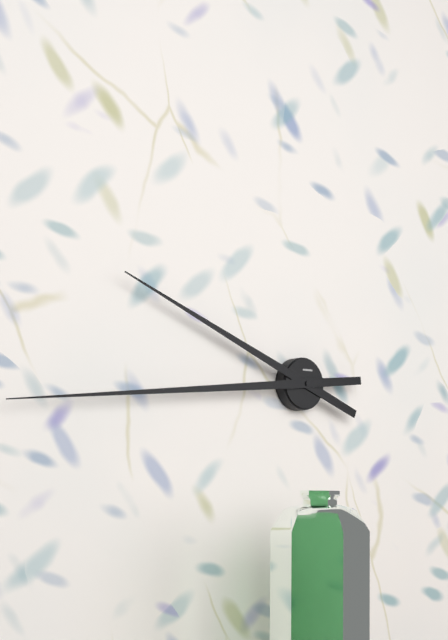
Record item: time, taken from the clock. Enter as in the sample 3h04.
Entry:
9h44
